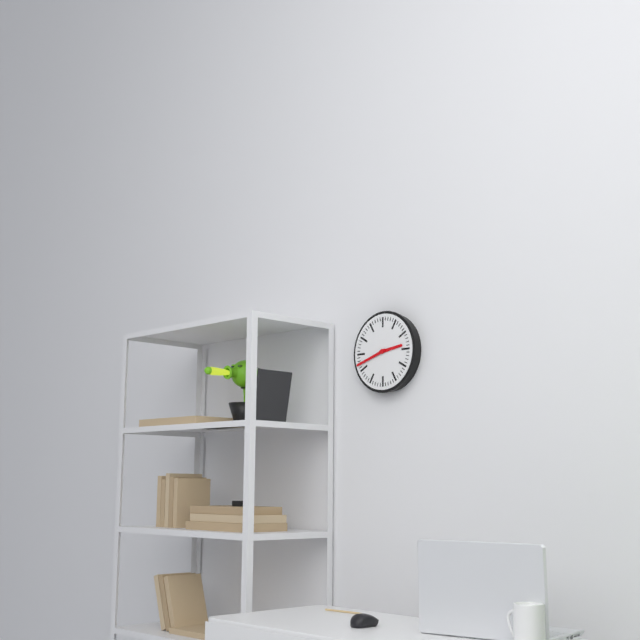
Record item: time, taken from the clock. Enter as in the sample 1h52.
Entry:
2h42
